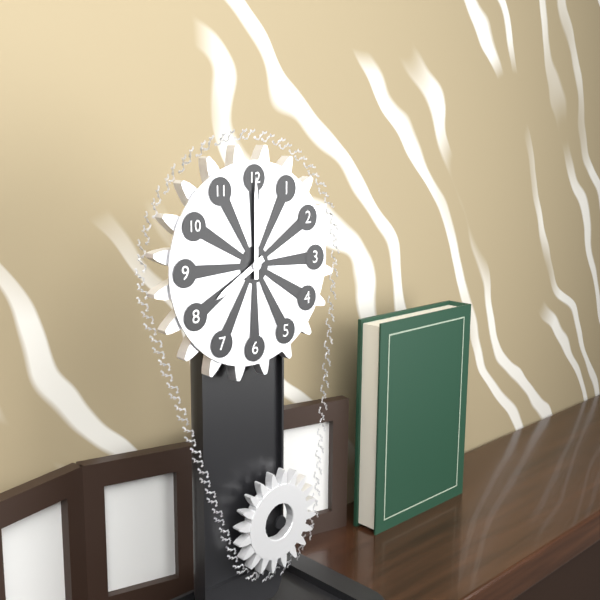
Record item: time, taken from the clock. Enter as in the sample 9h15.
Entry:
8h00
